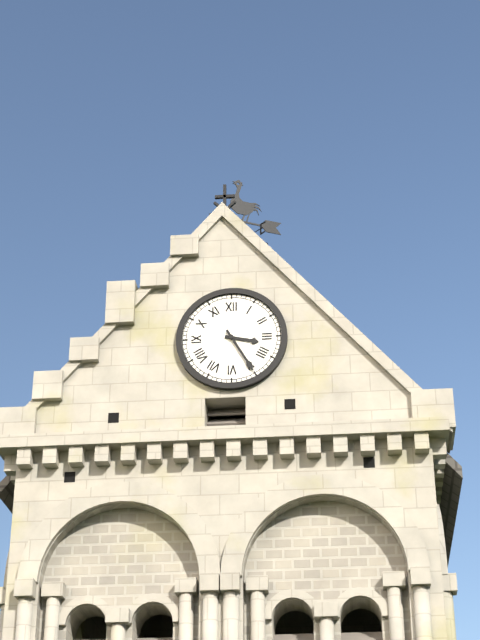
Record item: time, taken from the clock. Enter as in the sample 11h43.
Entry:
3h25
